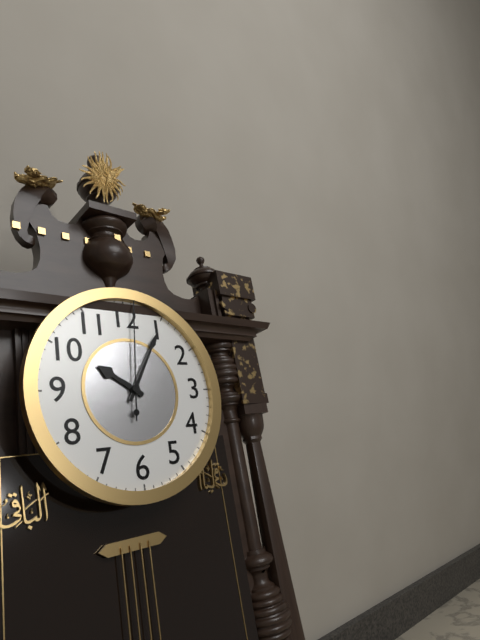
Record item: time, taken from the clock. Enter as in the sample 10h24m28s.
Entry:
10h05m01s
